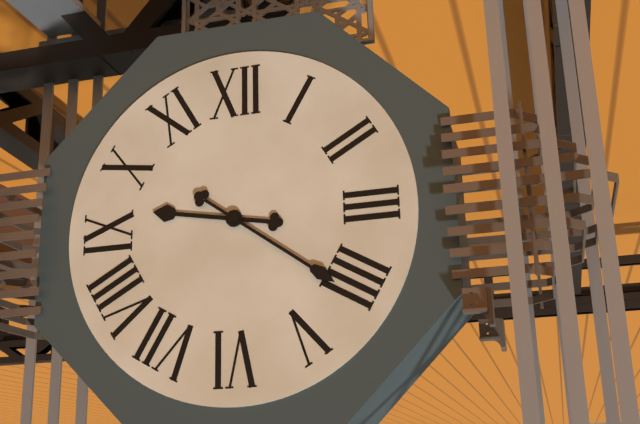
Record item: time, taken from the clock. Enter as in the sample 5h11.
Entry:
9h21
